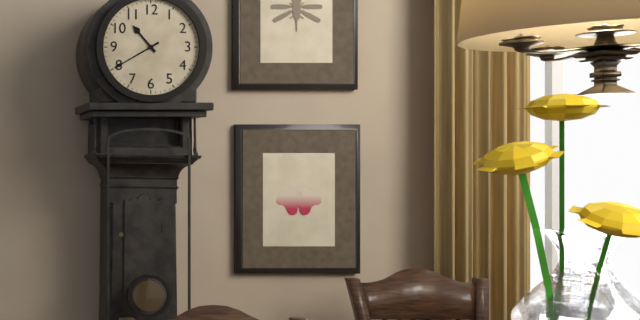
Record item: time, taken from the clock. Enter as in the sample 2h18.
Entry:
10h40
